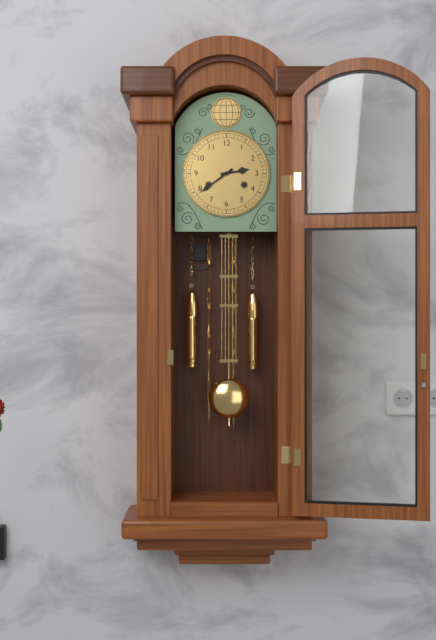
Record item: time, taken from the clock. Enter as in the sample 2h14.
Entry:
2h39
